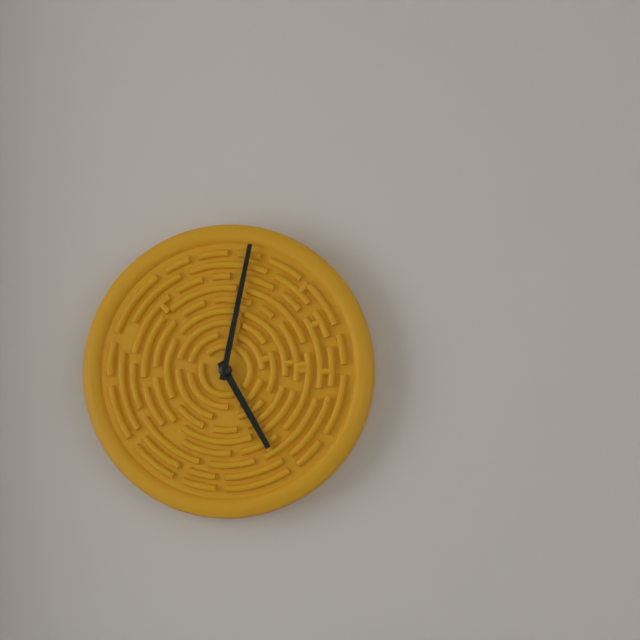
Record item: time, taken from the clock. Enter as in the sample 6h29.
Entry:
5h02
